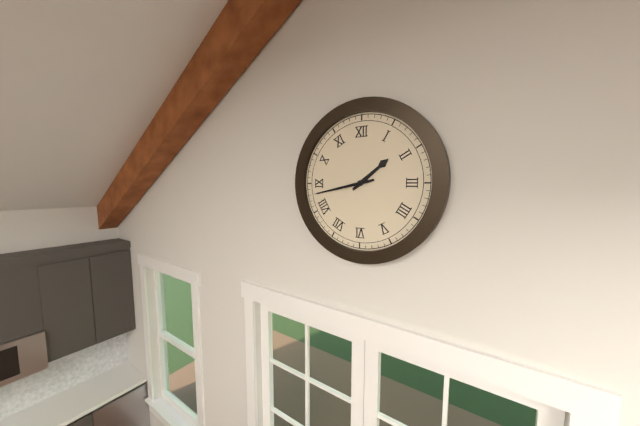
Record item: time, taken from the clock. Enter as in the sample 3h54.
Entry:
1h43
